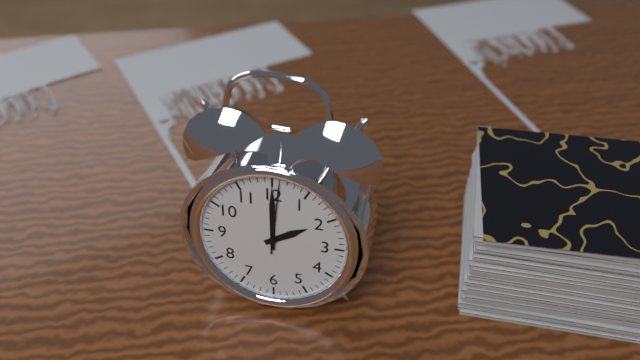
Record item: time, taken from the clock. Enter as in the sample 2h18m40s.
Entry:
2h00m01s
